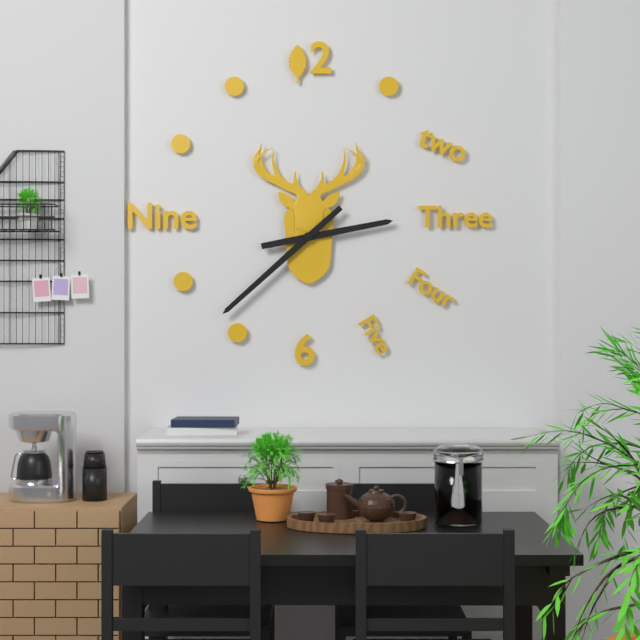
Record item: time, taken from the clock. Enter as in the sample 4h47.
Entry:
2h38
